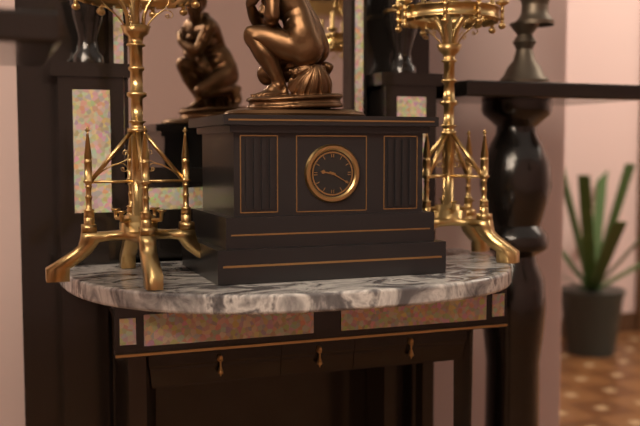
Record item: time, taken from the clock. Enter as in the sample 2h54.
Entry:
9h20
